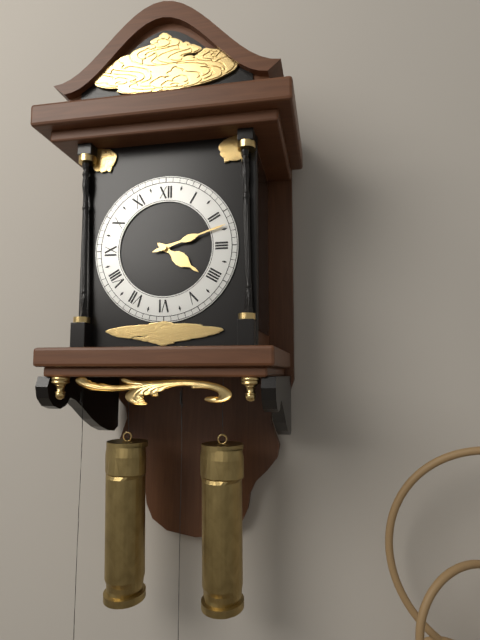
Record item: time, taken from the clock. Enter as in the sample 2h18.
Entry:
4h12
